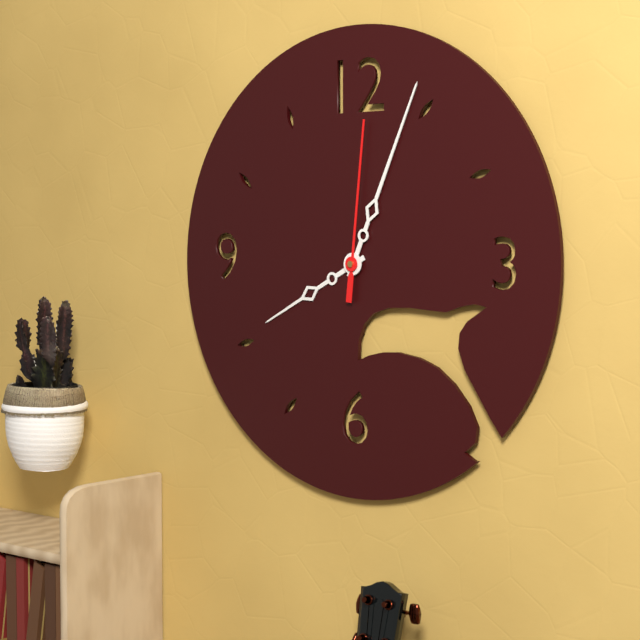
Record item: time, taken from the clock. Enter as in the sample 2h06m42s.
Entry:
8h04m01s
